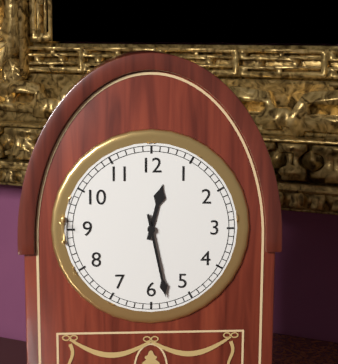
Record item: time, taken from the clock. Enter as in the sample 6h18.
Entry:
12h28
